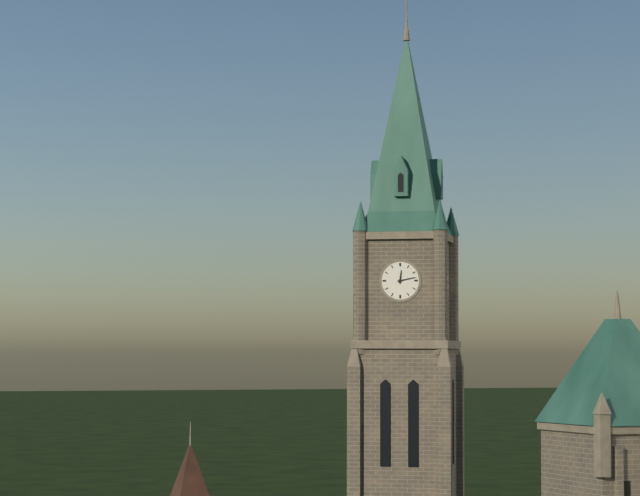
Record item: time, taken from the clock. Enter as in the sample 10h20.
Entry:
12h13
